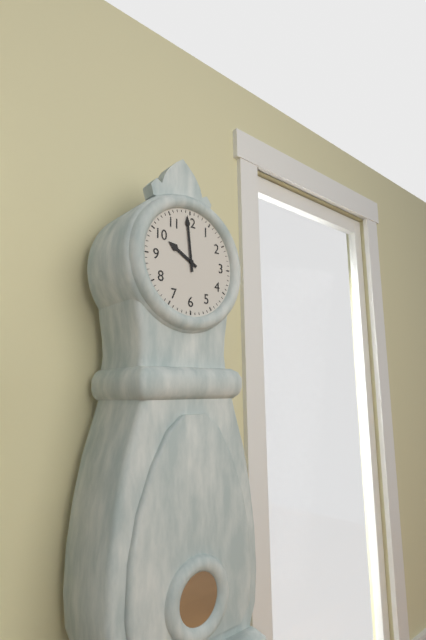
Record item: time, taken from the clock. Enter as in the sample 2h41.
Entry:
9h59
